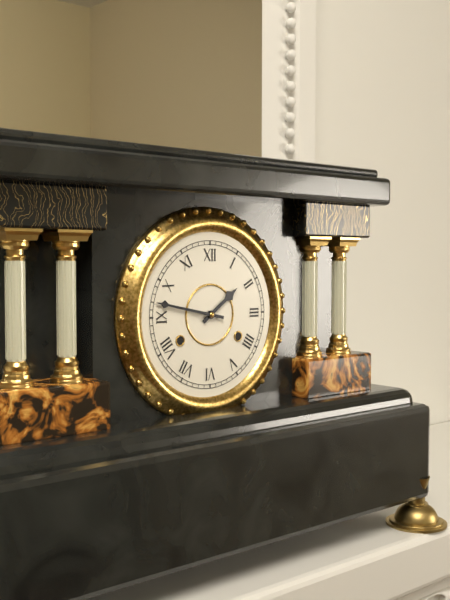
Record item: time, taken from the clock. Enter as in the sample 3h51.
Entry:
1h47
